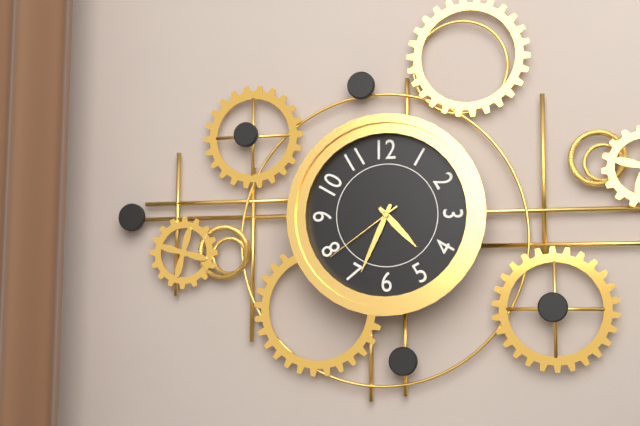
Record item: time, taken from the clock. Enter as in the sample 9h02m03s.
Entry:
4h34m39s
